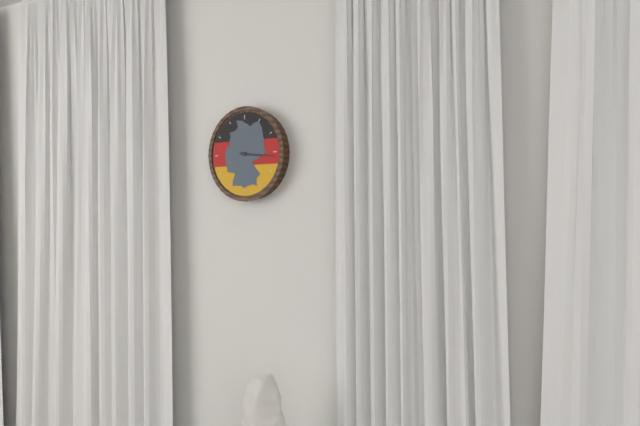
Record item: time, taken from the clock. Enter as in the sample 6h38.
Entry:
3h16
